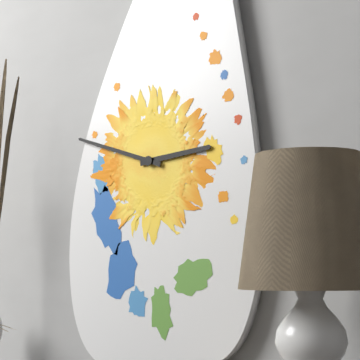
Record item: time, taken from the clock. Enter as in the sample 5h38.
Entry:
2h48
